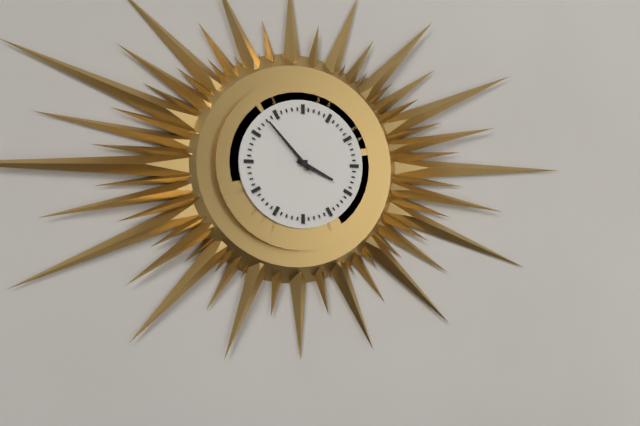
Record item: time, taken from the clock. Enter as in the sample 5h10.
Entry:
3h53
